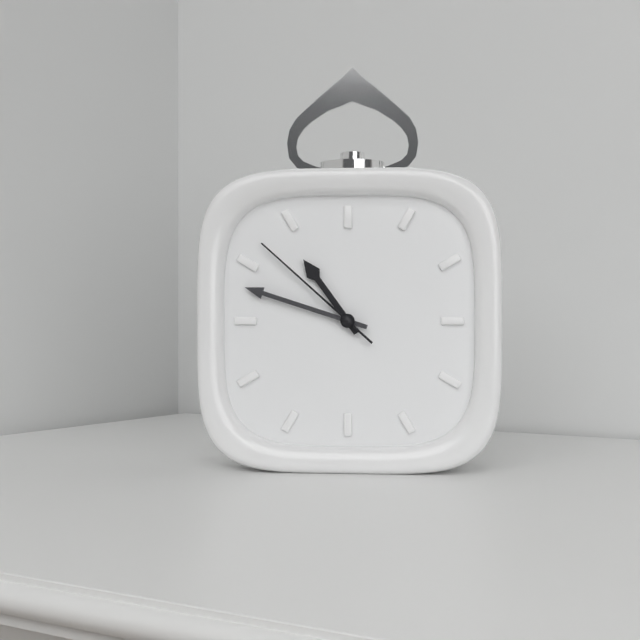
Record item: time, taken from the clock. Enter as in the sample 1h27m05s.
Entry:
10h48m52s
